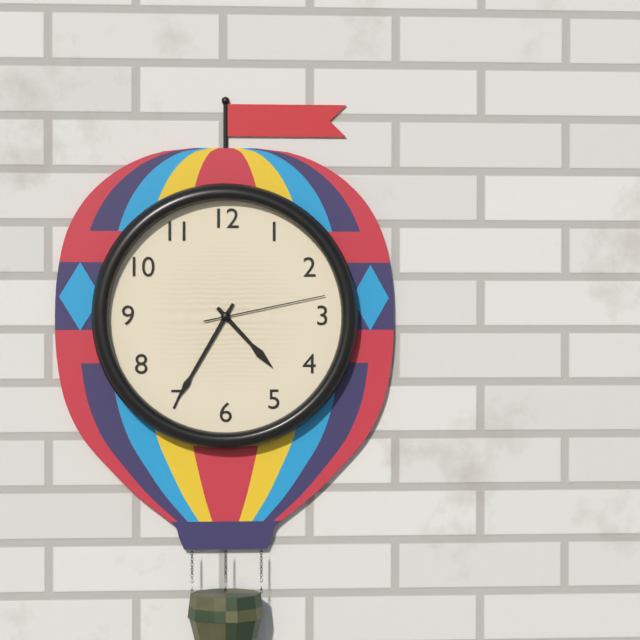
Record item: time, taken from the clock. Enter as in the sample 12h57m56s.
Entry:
4h35m13s
